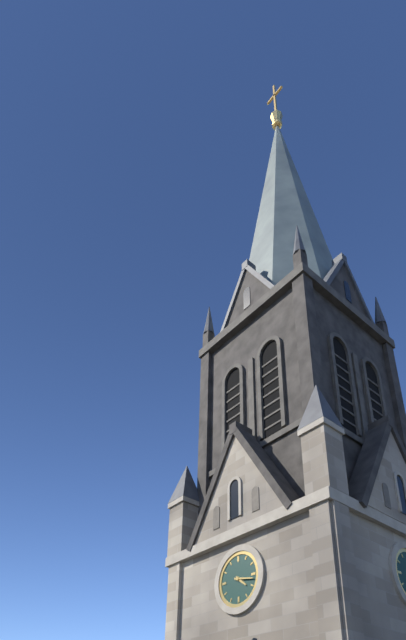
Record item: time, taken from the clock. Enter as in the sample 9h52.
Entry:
4h17
